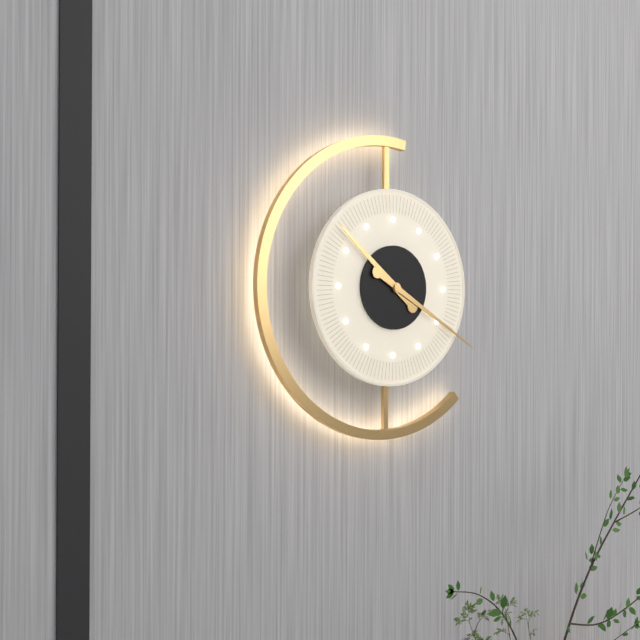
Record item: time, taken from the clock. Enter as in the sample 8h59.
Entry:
10h20
